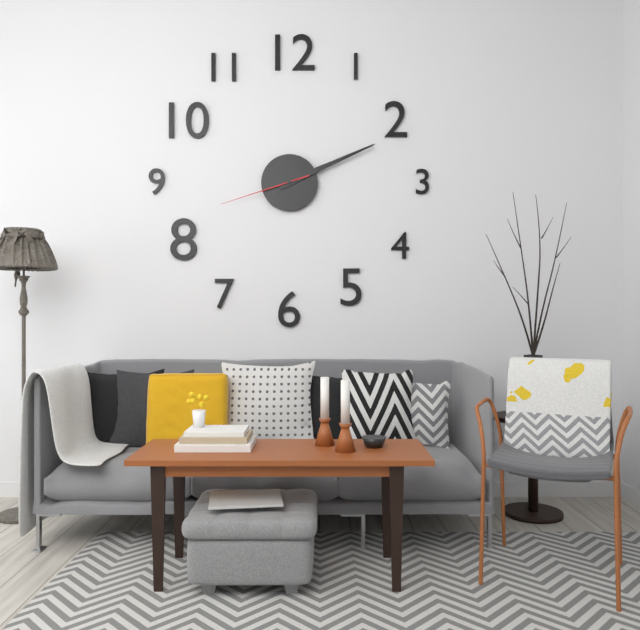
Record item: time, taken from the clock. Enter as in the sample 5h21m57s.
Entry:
2h11m42s
